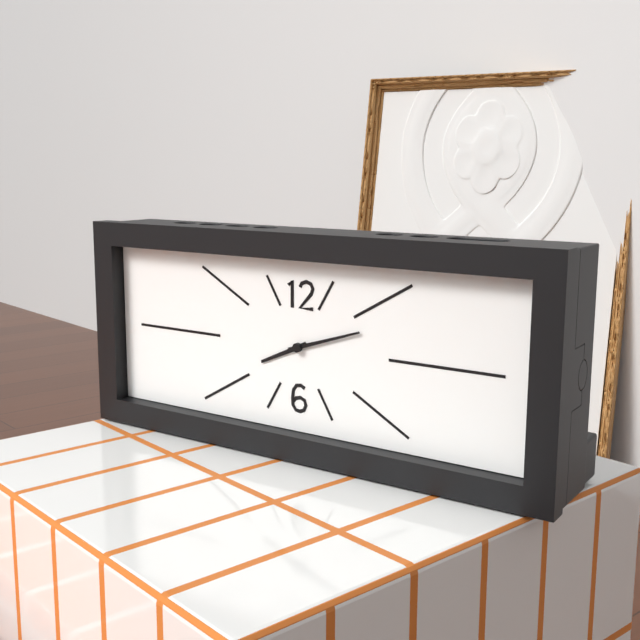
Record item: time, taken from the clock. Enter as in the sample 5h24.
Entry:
8h12
